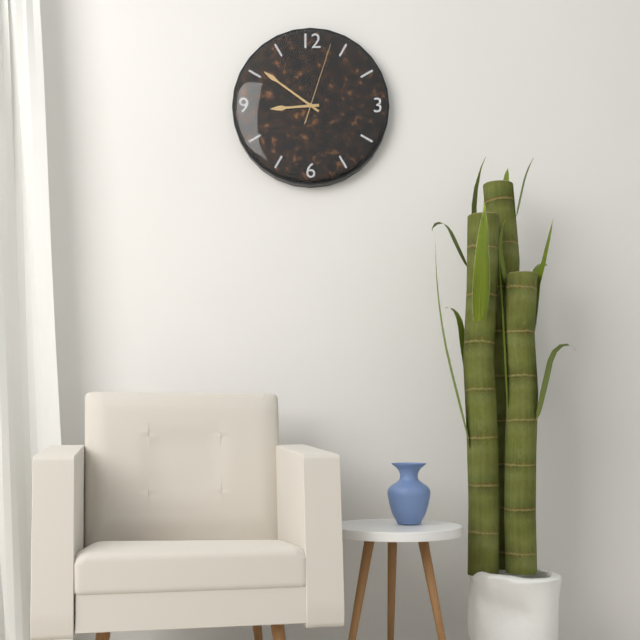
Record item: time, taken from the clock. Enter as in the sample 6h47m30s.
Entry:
8h51m03s
